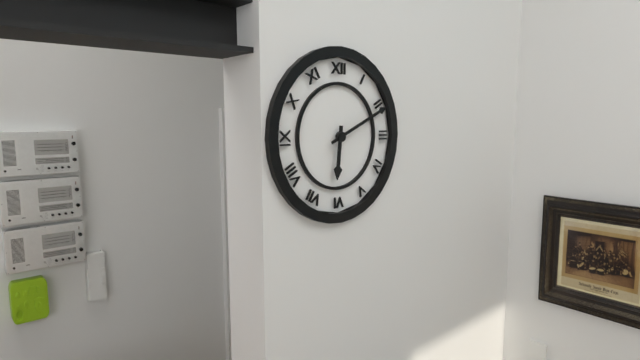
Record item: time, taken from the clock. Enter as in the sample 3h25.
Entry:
6h11
